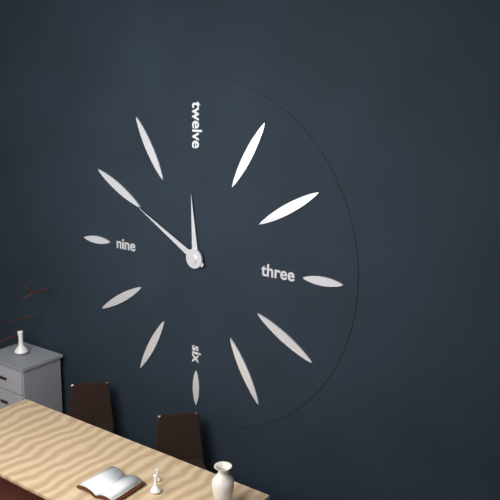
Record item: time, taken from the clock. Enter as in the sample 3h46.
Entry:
11h50
